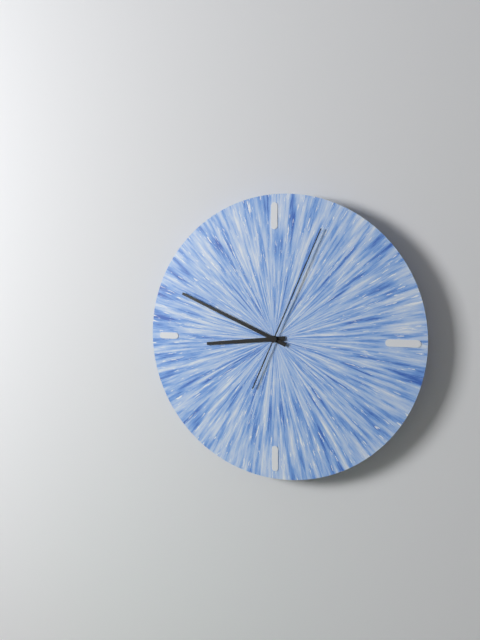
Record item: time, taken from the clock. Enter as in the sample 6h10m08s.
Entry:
8h49m04s
